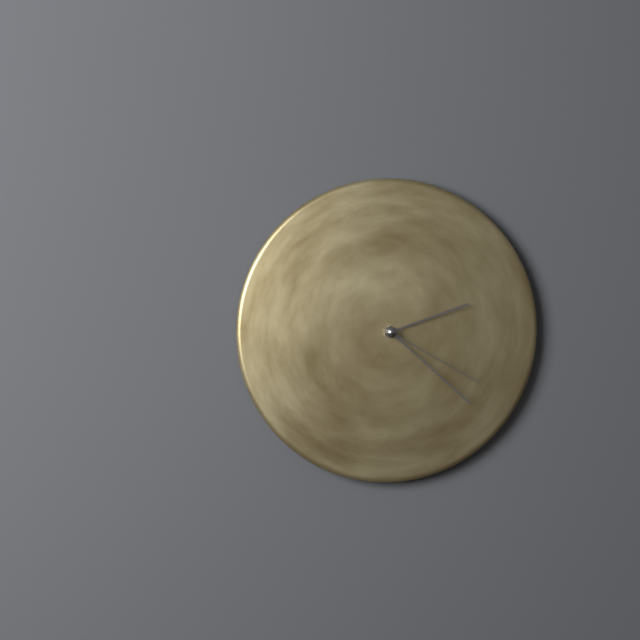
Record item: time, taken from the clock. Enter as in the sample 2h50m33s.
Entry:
2h22m20s
